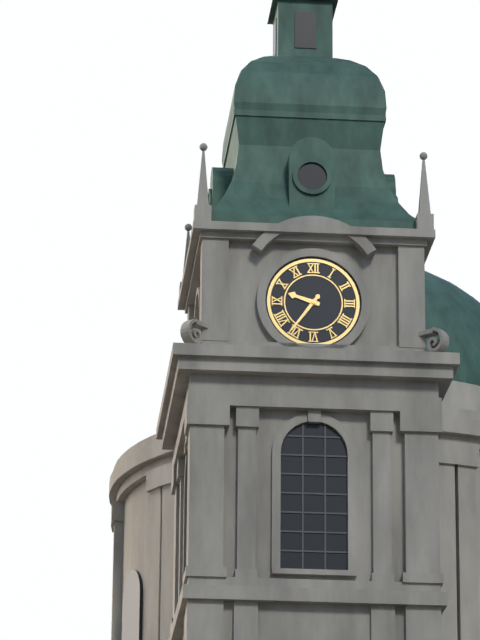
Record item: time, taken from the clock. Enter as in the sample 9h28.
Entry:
9h36
